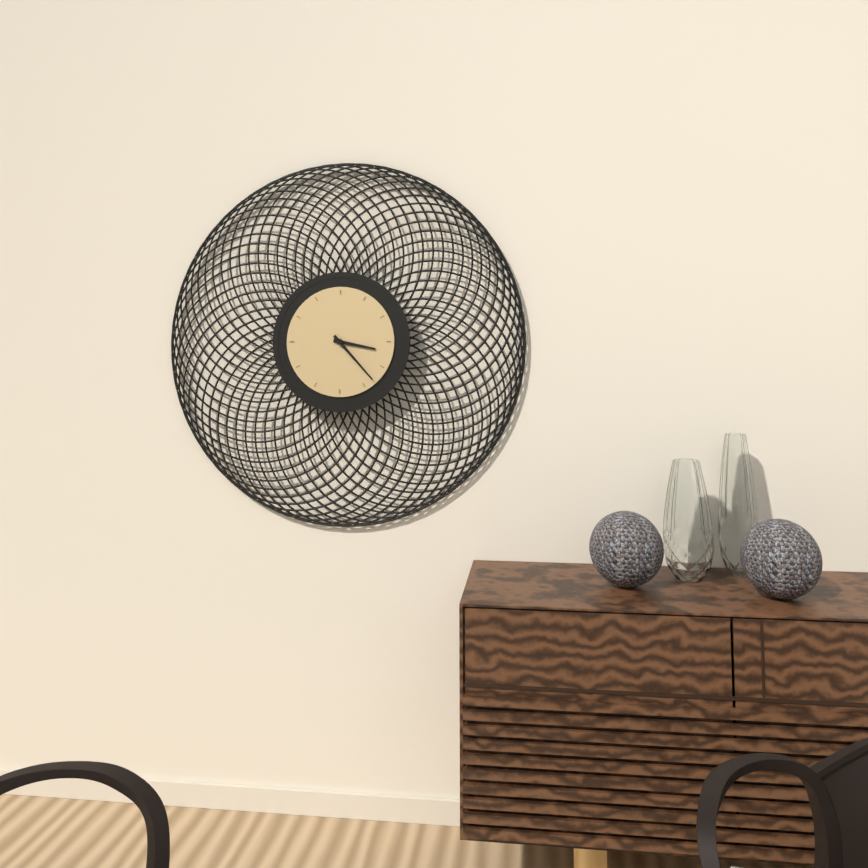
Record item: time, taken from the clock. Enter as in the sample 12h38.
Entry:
3h23
